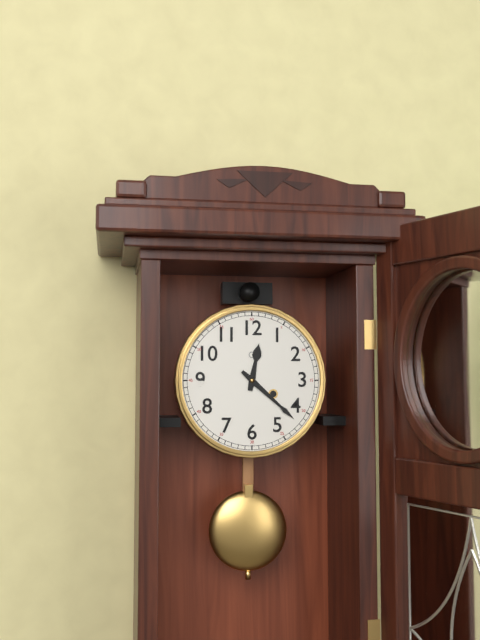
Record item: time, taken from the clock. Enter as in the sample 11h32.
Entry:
12h22
